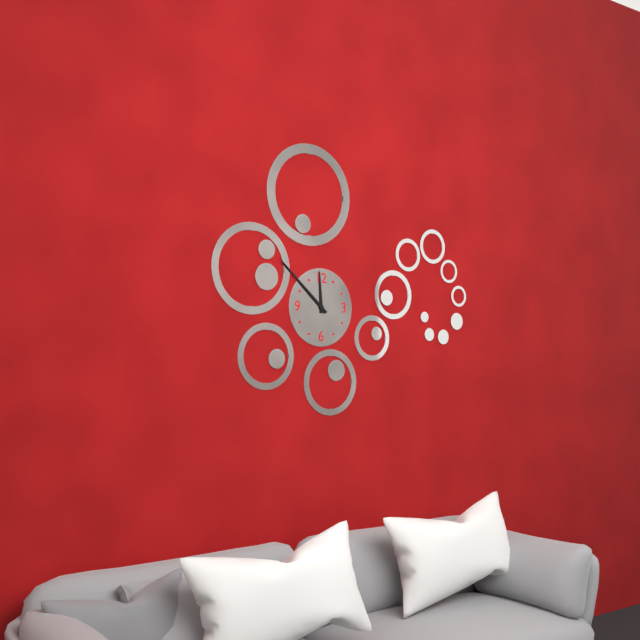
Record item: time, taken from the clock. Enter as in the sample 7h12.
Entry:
11h52
